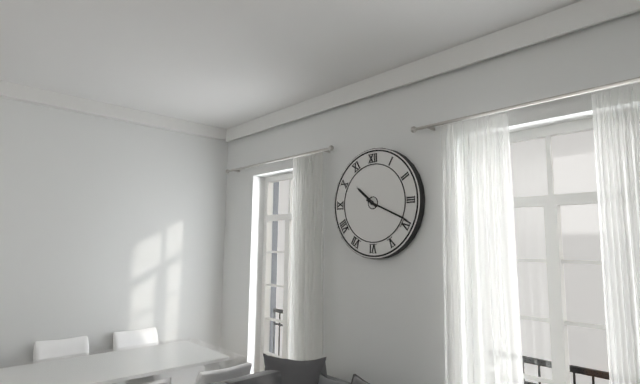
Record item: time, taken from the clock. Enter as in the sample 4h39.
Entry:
10h19
